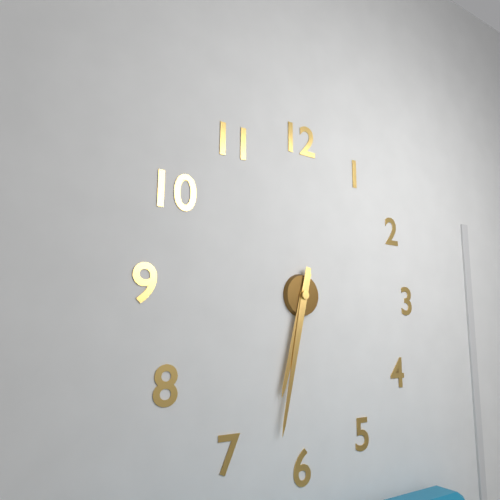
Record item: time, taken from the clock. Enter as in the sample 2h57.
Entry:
6h32
